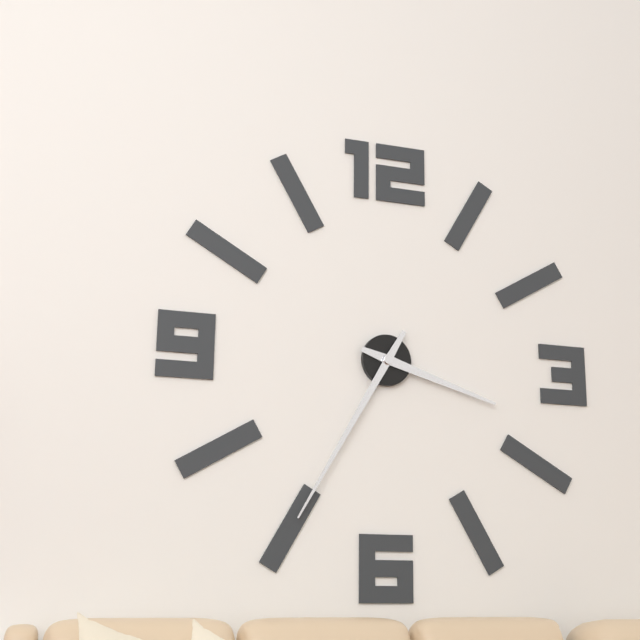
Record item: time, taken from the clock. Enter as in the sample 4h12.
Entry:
3h35
